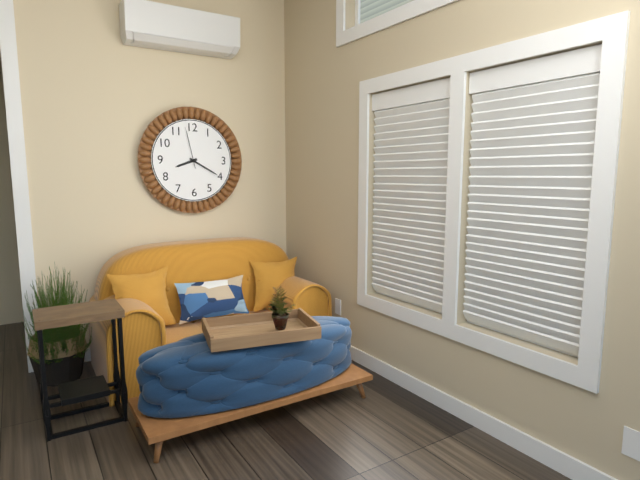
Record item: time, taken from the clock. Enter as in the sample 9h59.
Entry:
8h20
